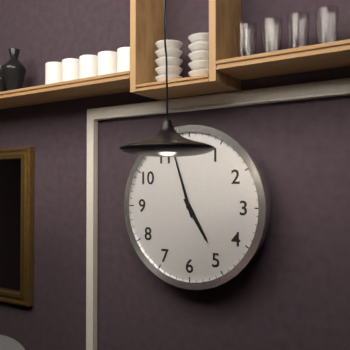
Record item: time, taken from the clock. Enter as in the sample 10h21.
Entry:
4h57
